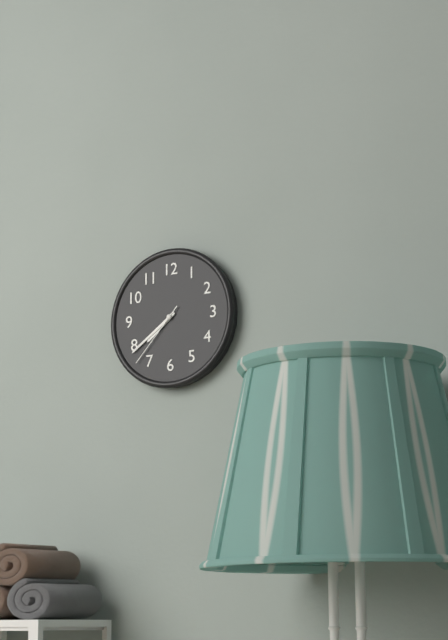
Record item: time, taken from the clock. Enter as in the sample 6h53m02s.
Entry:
7h39m37s
